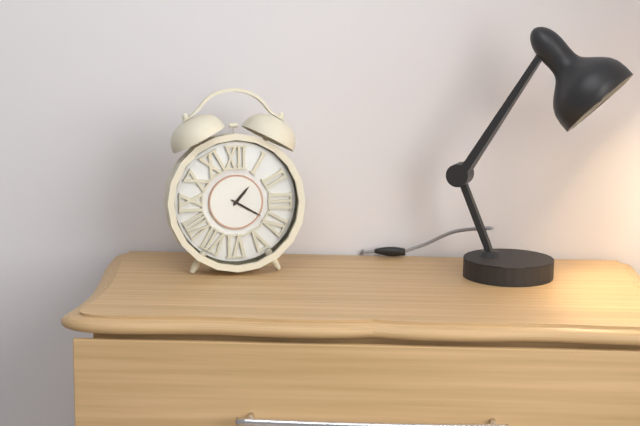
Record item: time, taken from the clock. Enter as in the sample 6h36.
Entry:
1h20
